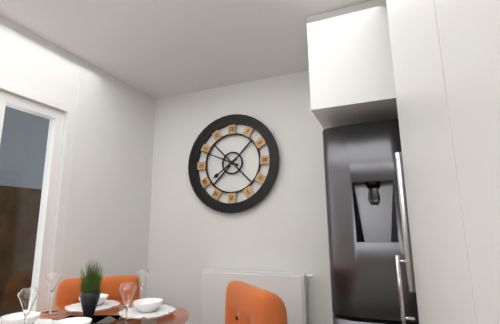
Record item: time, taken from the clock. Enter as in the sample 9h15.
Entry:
7h49
